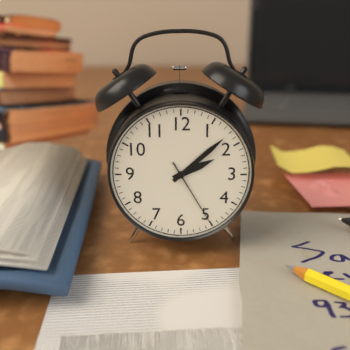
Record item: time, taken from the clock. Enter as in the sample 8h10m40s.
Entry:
2h08m25s
